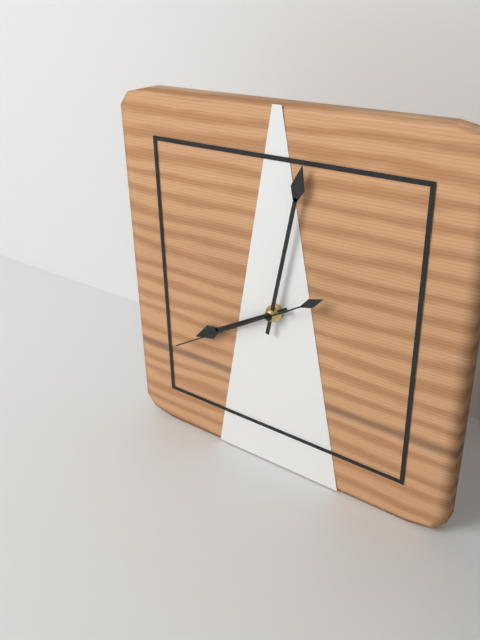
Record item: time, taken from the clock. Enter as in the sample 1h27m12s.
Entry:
8h02m40s
